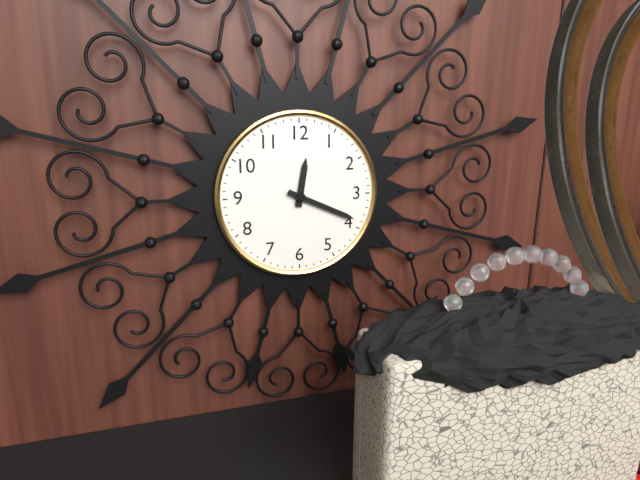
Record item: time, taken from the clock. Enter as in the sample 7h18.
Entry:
12h19
